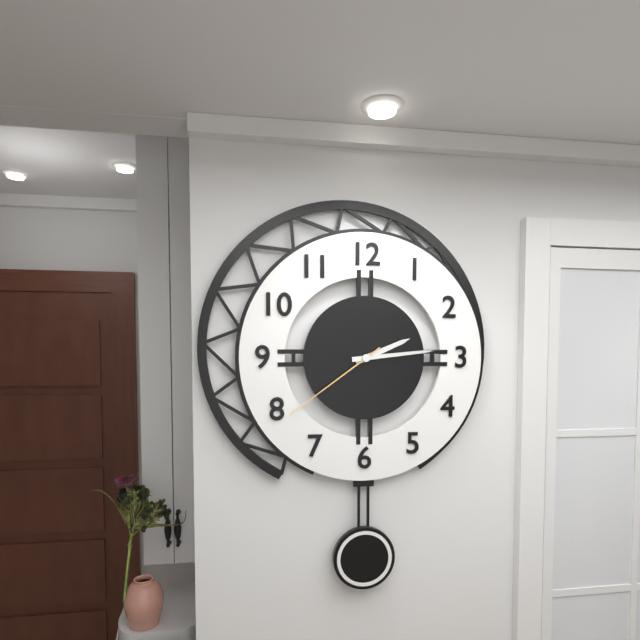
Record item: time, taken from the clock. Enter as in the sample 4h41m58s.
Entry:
2h14m39s
